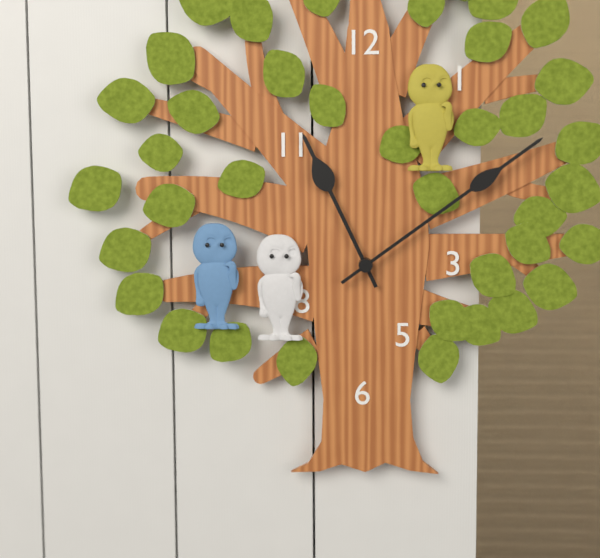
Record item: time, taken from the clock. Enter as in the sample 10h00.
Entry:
11h09
